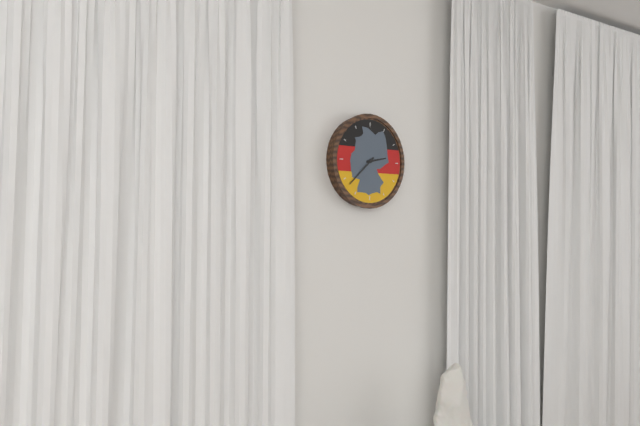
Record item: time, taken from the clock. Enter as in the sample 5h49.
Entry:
2h38
